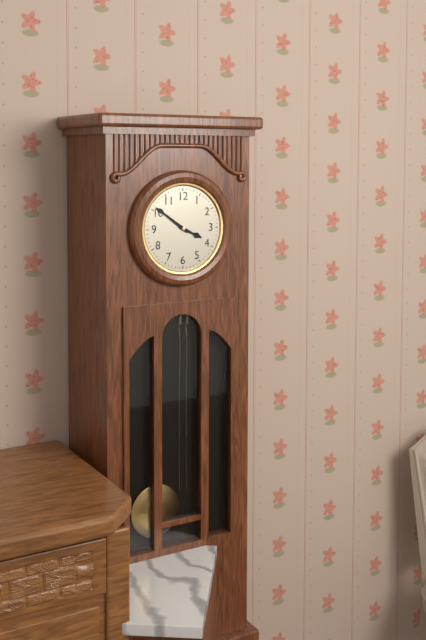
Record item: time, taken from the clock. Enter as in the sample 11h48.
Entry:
3h51
